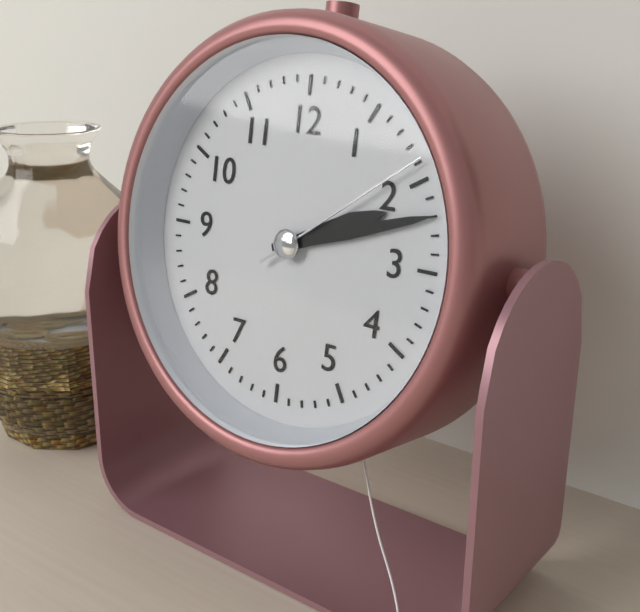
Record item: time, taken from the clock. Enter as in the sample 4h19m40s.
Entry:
2h12m09s
